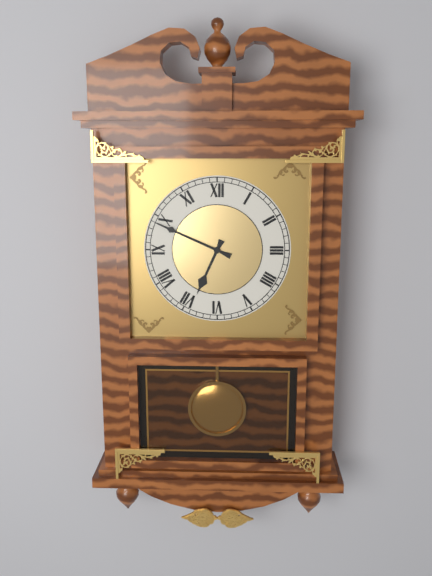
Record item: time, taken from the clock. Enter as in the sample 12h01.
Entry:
6h49
